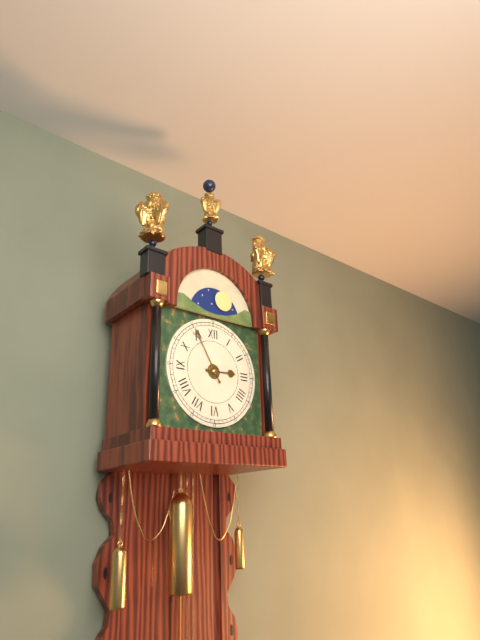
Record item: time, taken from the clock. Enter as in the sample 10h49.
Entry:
2h55
